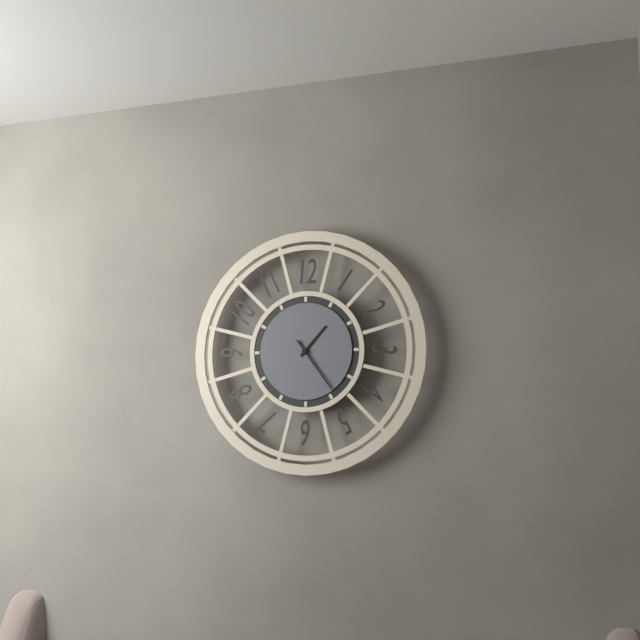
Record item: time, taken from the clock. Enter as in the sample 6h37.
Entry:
1h24
